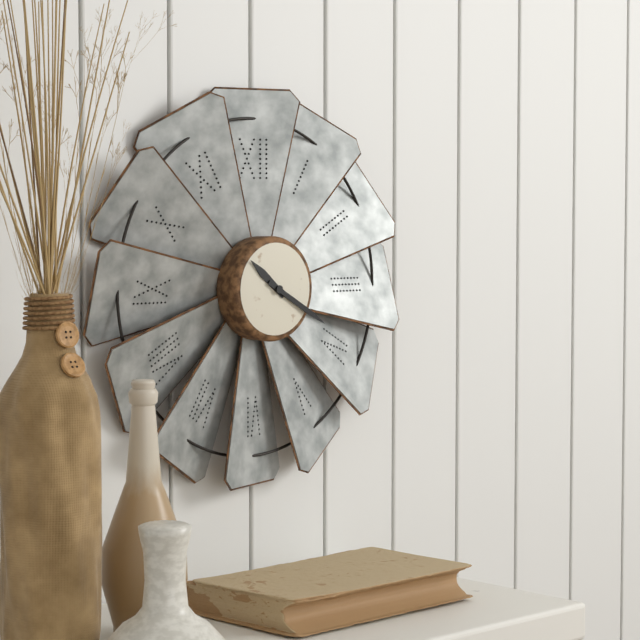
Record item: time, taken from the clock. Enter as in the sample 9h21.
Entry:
10h20
